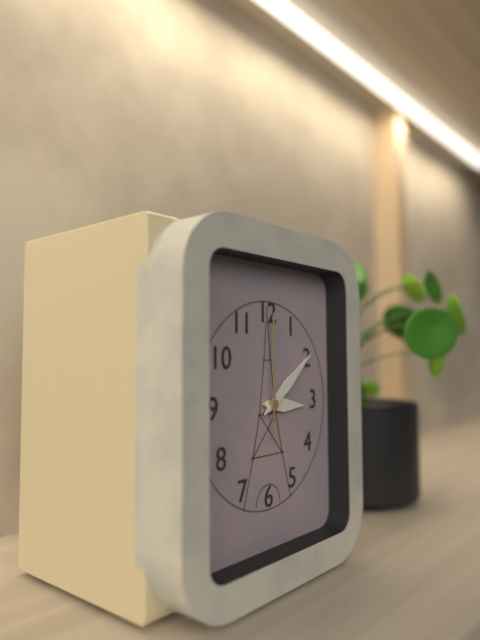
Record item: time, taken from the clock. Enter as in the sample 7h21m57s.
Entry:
3h09m00s
